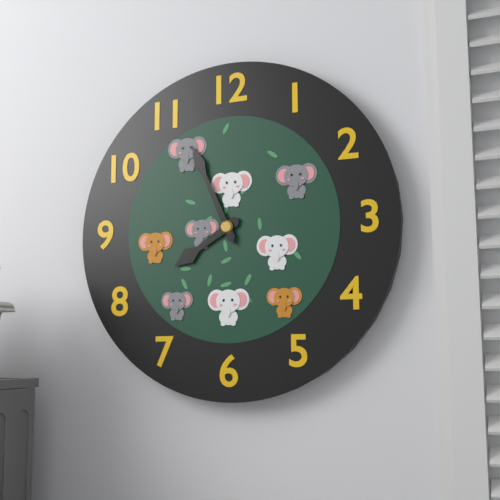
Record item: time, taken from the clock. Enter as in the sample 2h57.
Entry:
7h56
